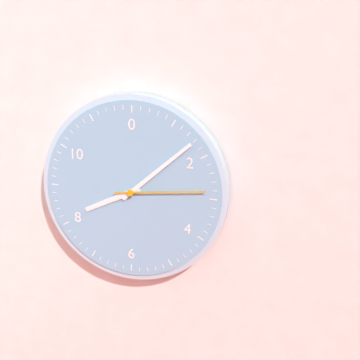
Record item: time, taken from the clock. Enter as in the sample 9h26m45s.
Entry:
8h08m14s
